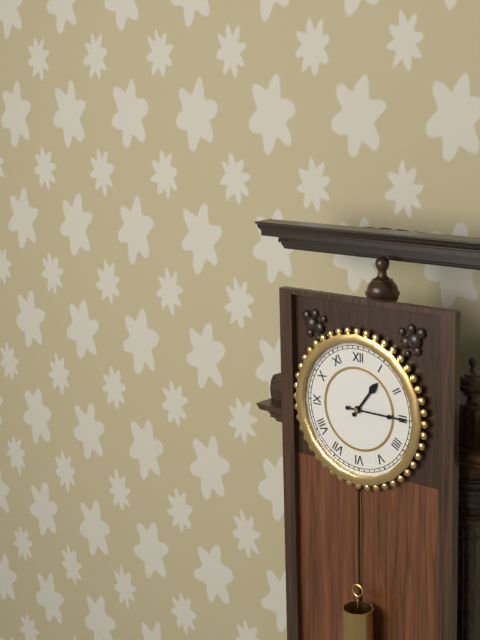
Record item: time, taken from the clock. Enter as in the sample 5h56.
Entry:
1h15
